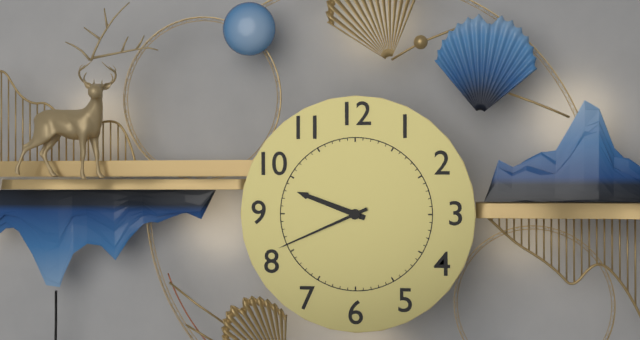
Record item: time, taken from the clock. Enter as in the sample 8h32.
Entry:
9h41
